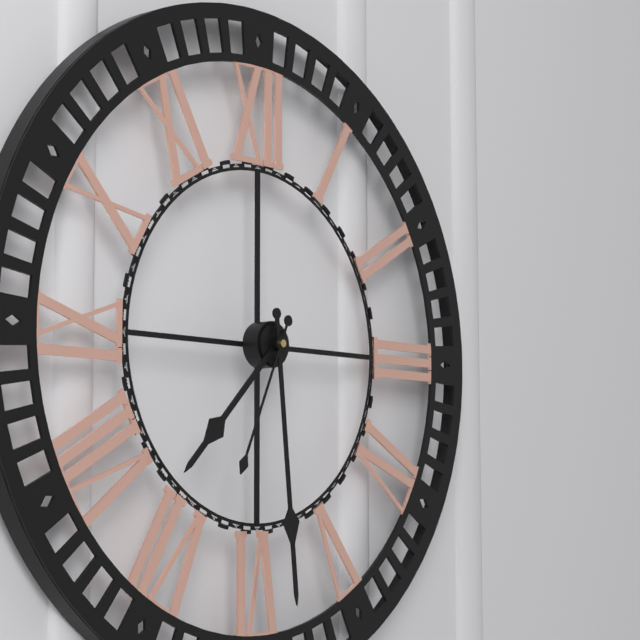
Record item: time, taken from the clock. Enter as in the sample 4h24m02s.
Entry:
7h29m34s
